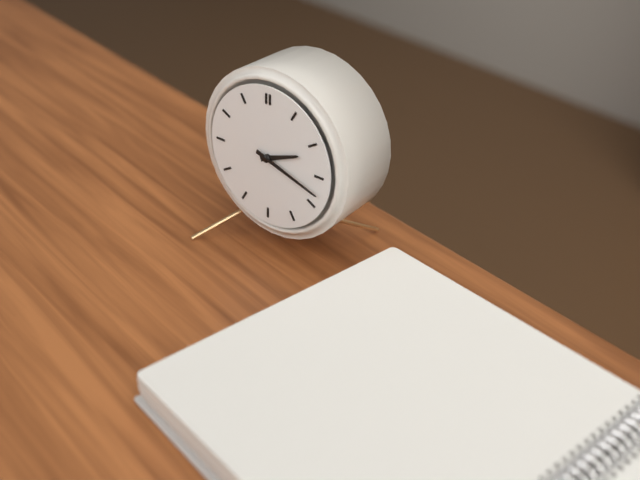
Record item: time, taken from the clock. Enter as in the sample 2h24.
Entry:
2h18
